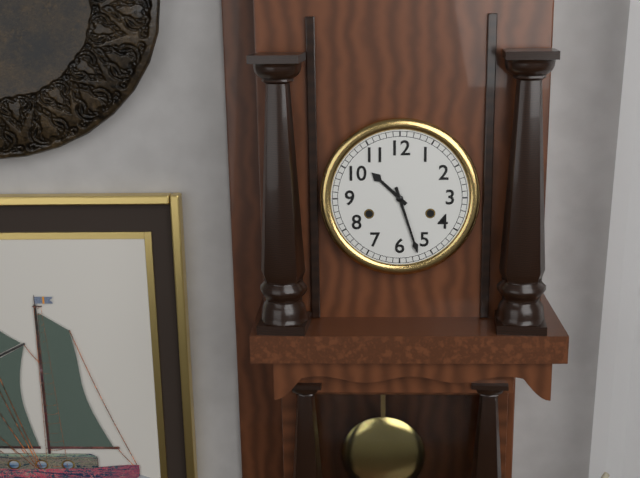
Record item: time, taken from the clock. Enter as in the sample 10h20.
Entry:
10h27
